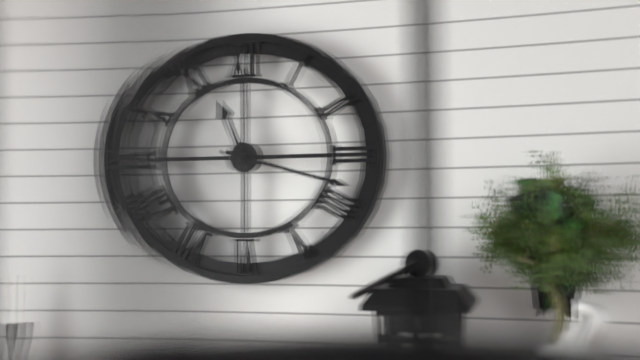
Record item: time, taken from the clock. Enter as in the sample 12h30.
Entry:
11h18
